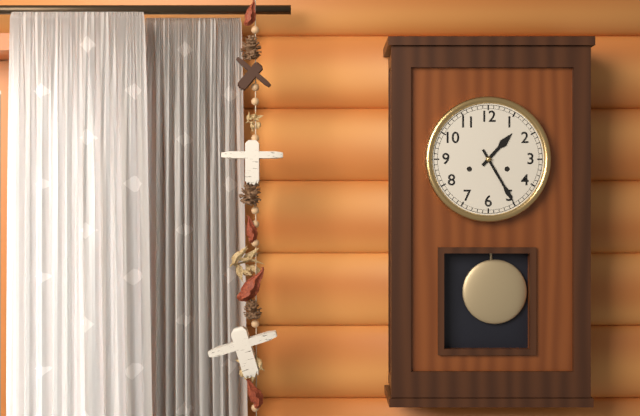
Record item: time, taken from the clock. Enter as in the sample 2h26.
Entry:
1h25
